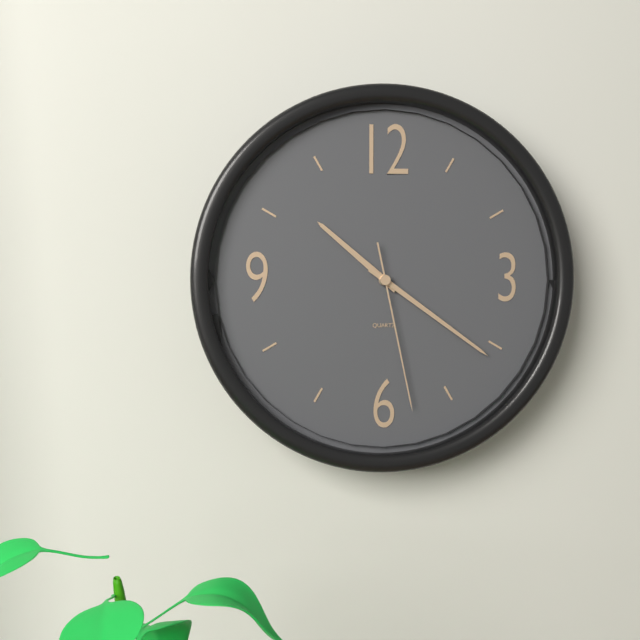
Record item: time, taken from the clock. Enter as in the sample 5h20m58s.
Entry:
10h21m28s
